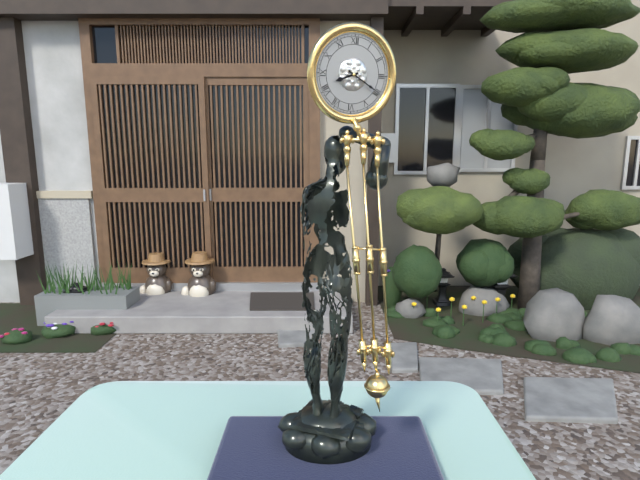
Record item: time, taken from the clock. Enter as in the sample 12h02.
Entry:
8h20
